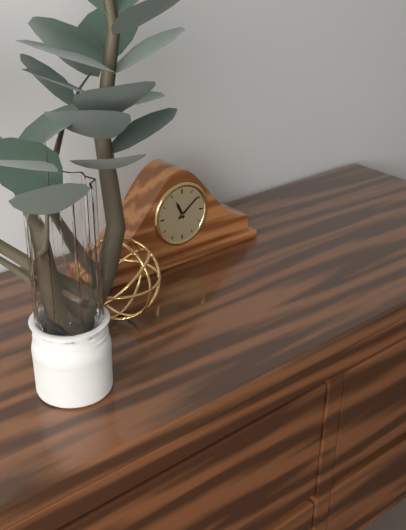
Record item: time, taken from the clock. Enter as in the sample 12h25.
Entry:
11h09
